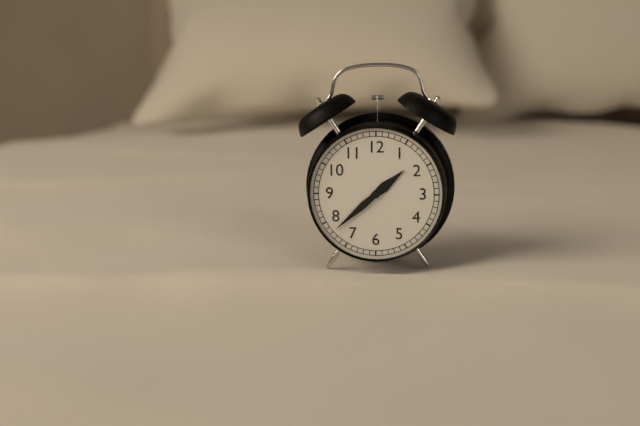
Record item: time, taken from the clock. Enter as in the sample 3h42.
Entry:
1h38
